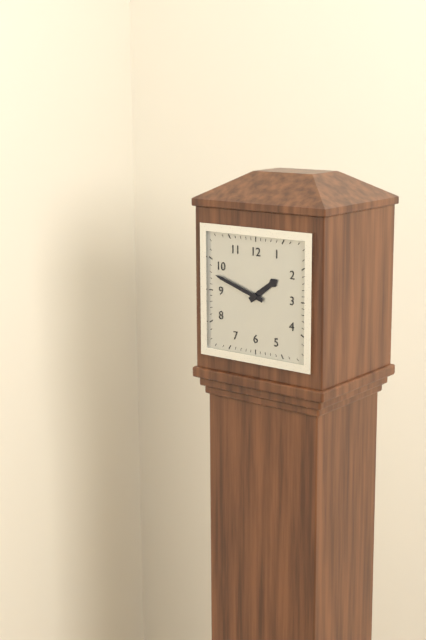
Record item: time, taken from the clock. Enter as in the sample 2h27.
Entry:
1h48
